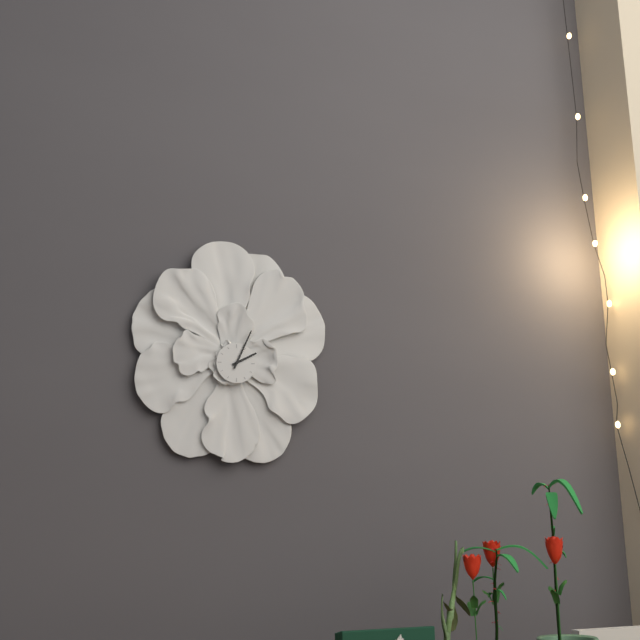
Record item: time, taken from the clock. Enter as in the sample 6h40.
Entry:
2h04
